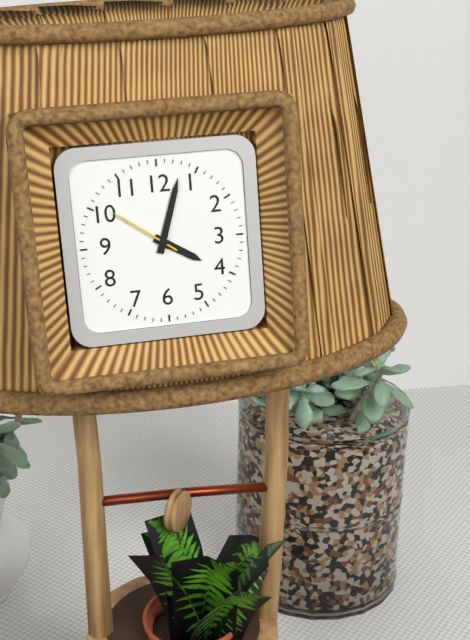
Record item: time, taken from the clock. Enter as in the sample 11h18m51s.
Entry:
4h03m51s
